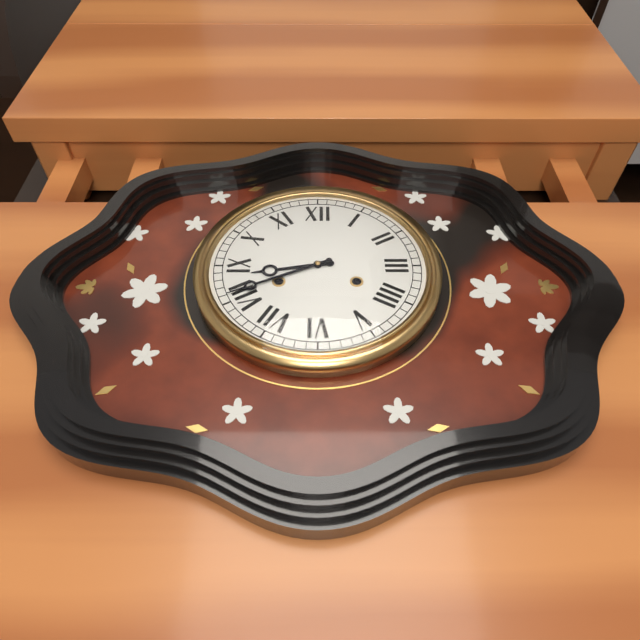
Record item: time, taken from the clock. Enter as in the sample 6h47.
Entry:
8h41
